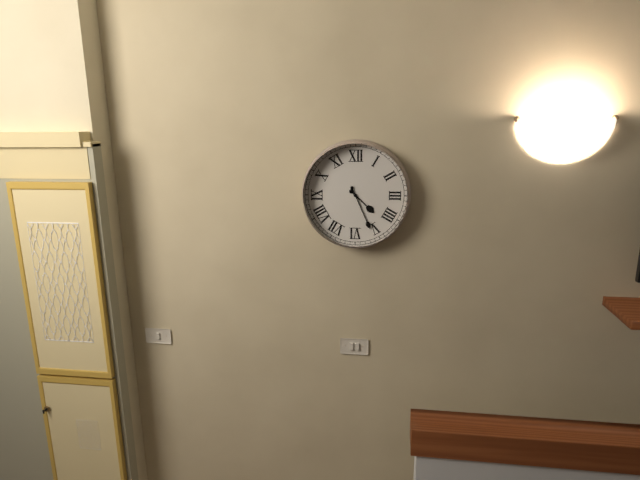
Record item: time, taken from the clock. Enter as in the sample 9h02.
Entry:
4h26
